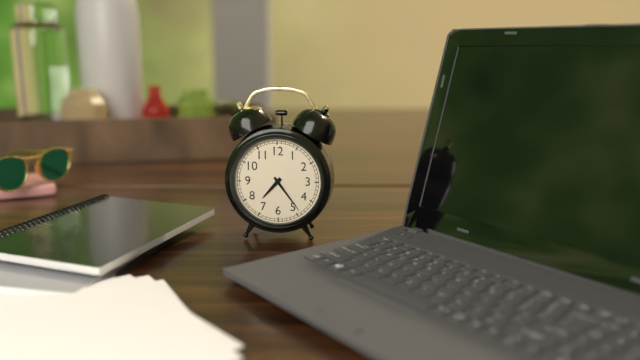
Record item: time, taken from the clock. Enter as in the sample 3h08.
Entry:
7h24
